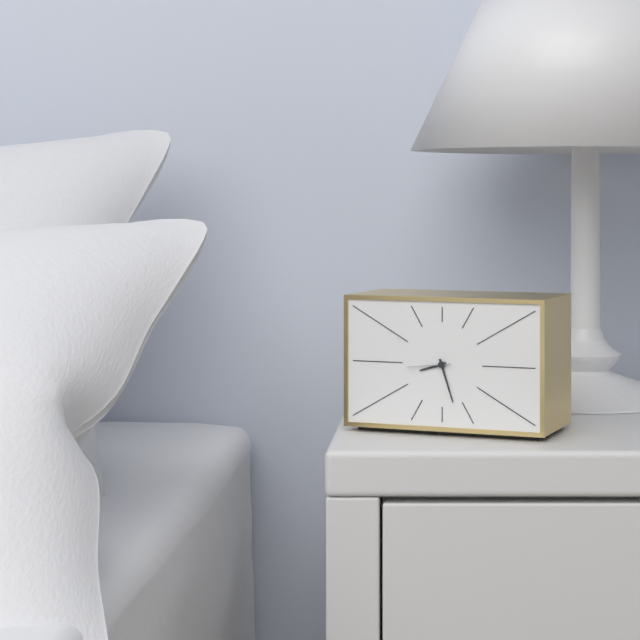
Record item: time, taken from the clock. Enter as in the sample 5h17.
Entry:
8h27
